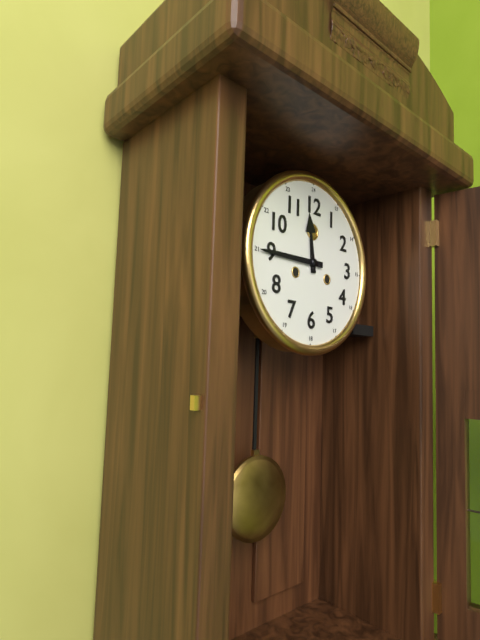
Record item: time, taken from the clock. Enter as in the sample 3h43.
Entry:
11h45
